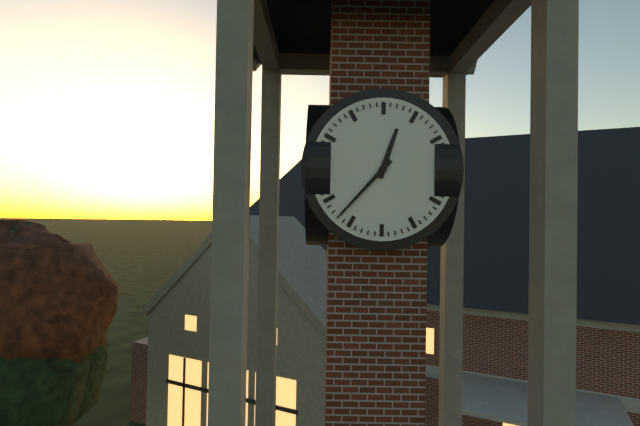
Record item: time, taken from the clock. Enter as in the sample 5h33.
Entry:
12h37
